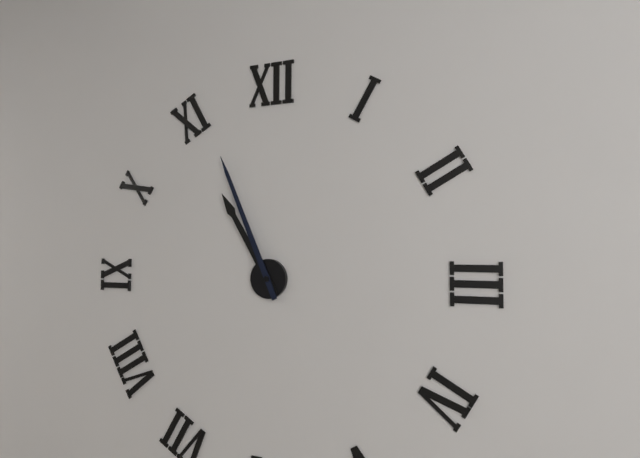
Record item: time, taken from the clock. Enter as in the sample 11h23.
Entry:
10h56
